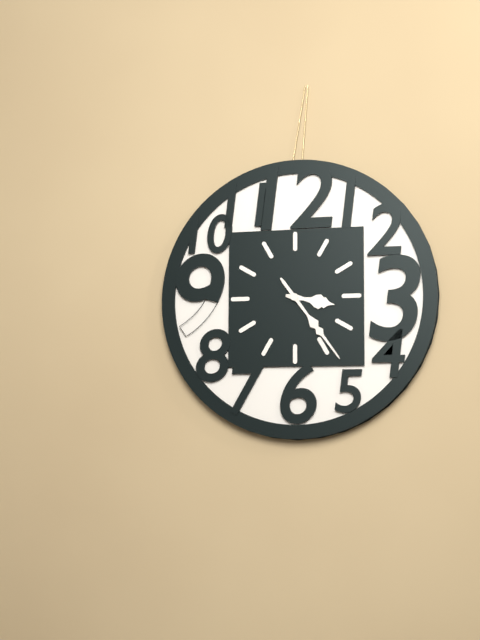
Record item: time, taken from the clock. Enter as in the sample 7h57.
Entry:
3h24
